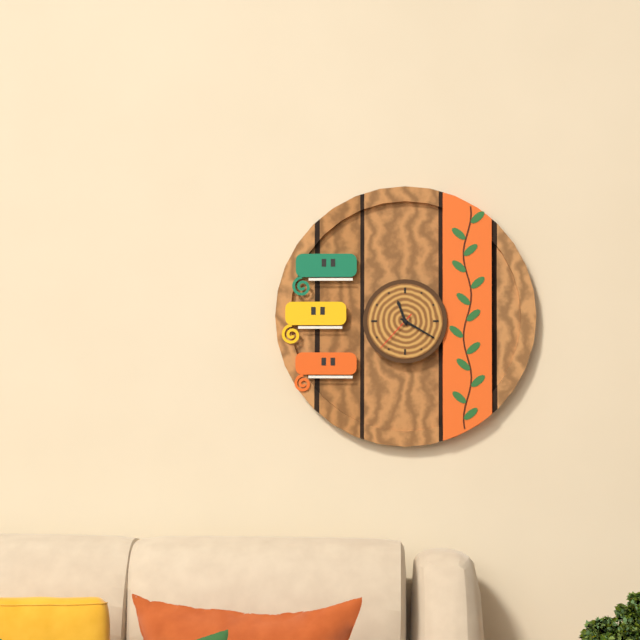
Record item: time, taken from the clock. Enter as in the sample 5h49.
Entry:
11h20
